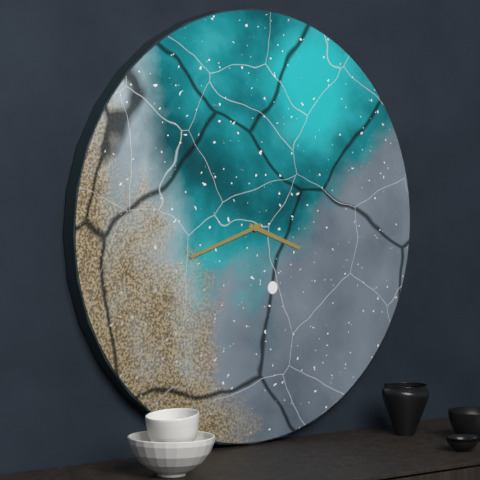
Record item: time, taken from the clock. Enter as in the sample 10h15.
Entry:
3h42
